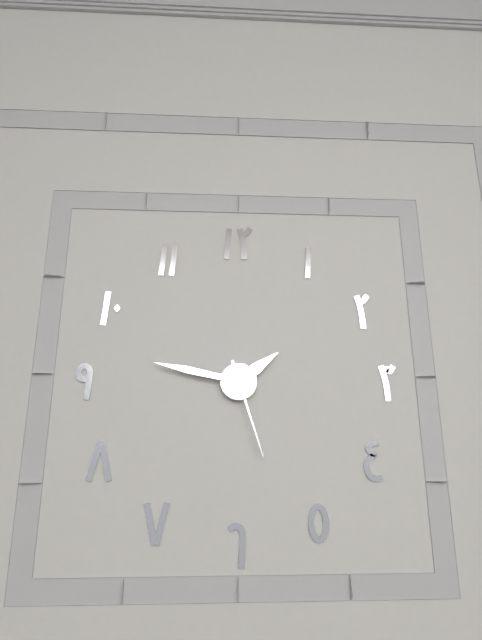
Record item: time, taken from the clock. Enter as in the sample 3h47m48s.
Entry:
1h47m27s
